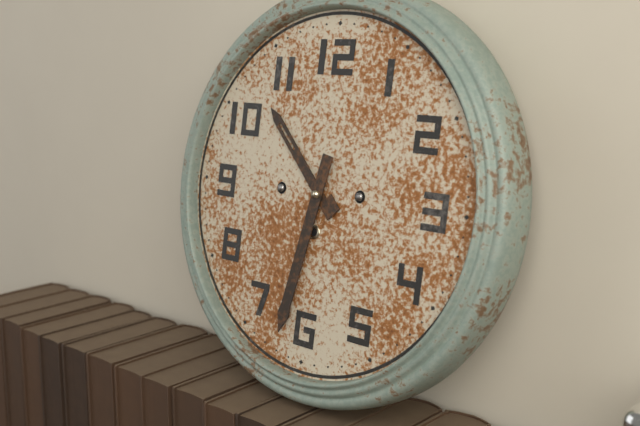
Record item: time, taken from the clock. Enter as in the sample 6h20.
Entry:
10h32
